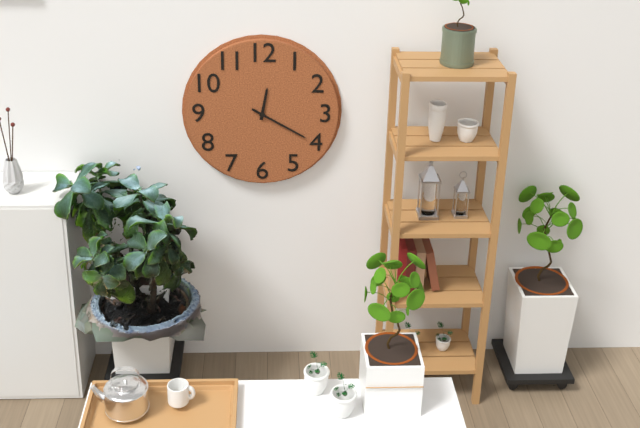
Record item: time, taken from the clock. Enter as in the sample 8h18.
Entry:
12h20
